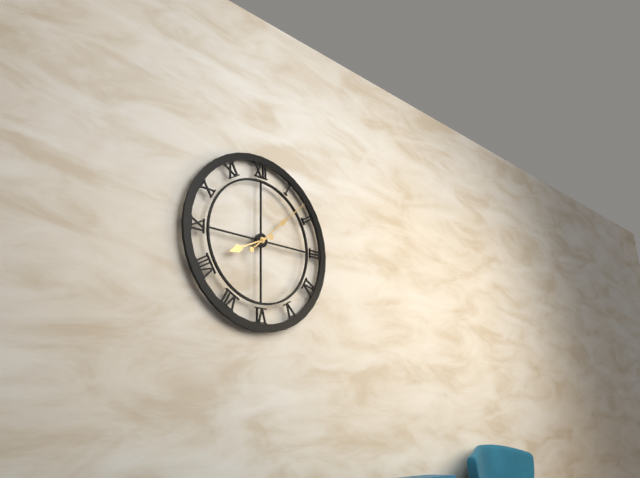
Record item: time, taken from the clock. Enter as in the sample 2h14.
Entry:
8h08
